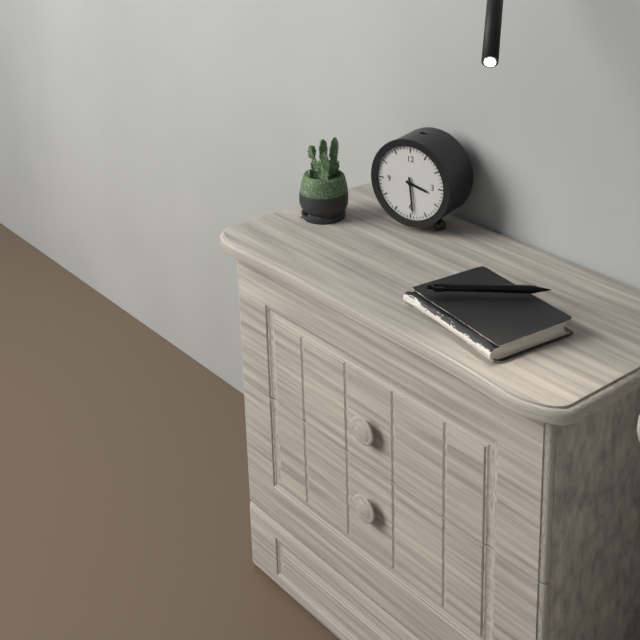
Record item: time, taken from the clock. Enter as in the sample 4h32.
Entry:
3h29
